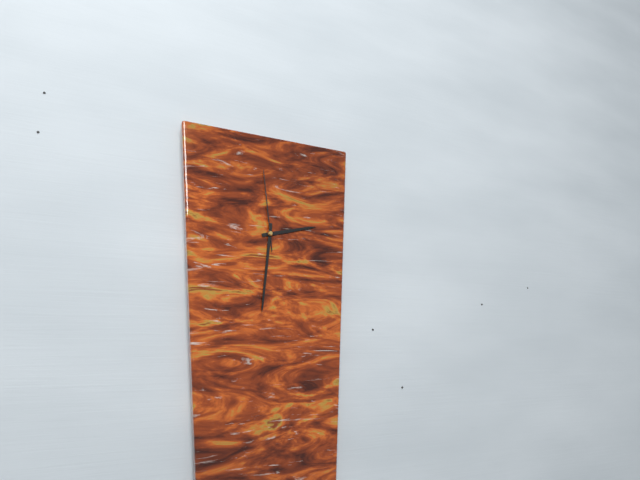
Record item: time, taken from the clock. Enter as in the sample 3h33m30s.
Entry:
2h31m59s
